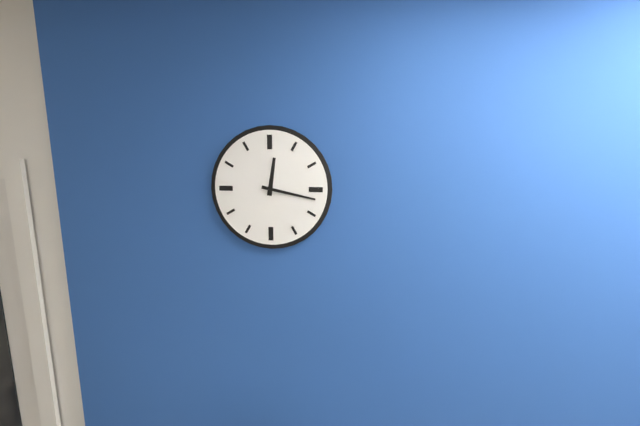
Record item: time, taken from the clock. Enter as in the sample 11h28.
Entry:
12h17
